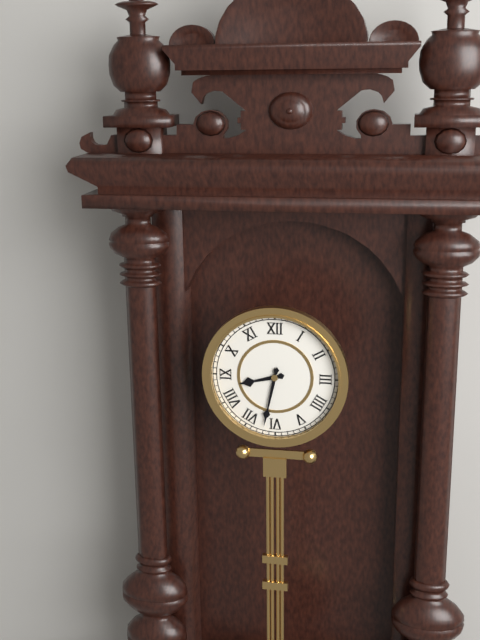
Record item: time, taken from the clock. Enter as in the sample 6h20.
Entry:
8h32
